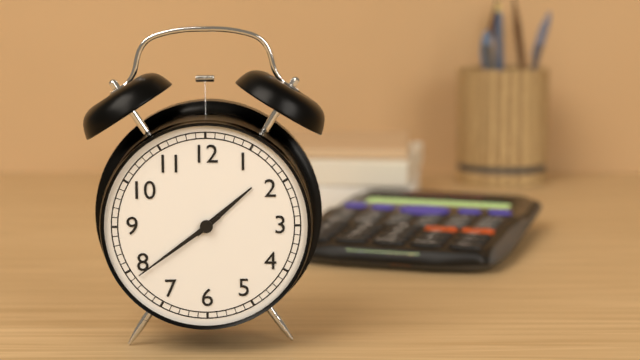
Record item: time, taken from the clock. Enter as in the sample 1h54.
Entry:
1h39
